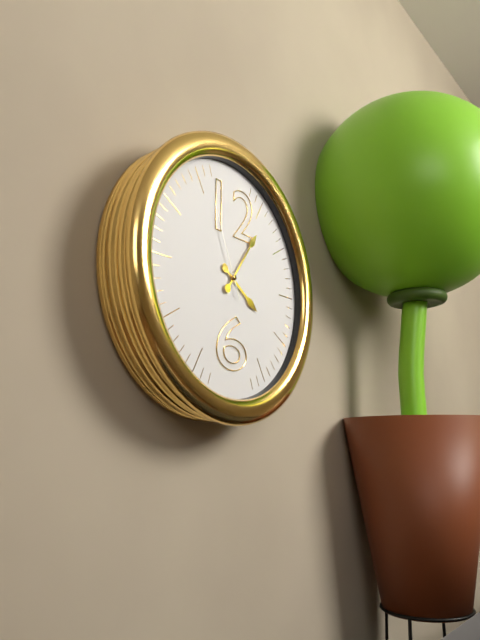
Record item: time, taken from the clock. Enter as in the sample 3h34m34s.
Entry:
4h06m56s
